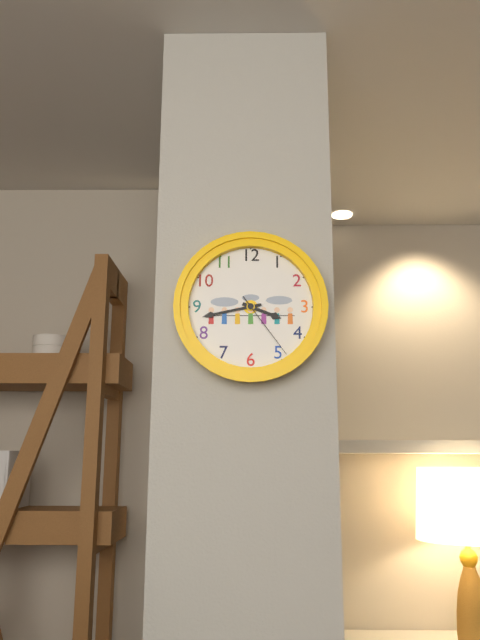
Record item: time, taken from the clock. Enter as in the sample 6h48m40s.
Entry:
3h43m24s
